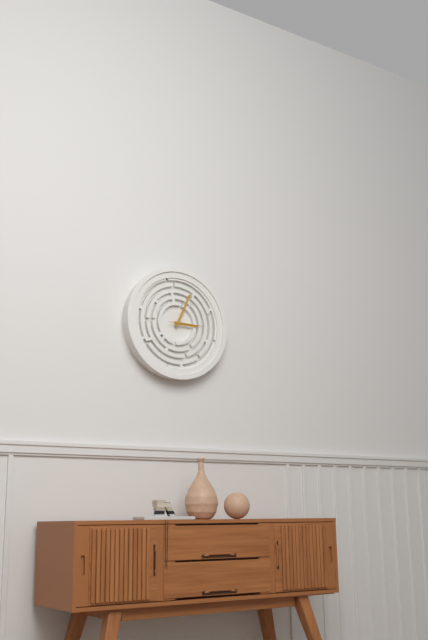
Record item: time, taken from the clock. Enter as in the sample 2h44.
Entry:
3h04
